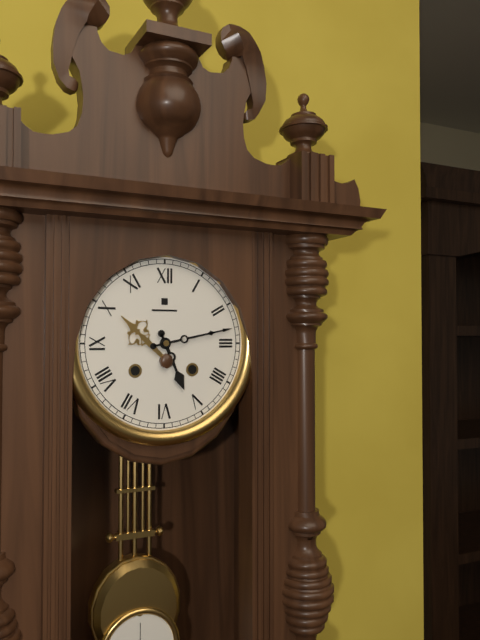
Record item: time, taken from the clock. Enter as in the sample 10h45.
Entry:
5h13
